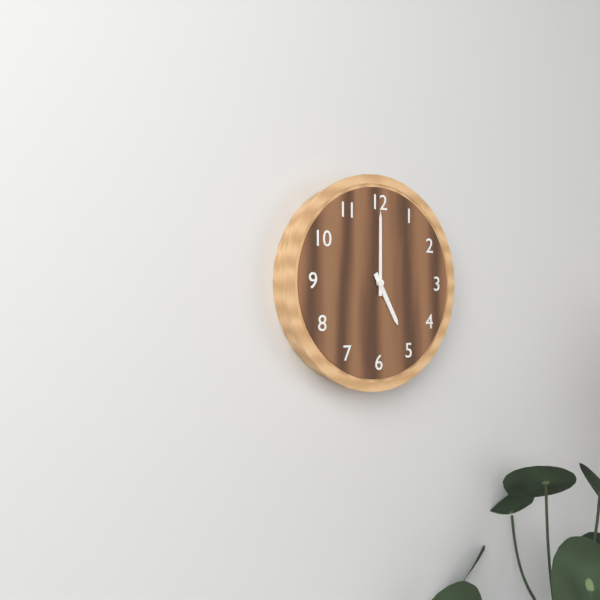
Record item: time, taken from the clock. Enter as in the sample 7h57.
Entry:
5h00
